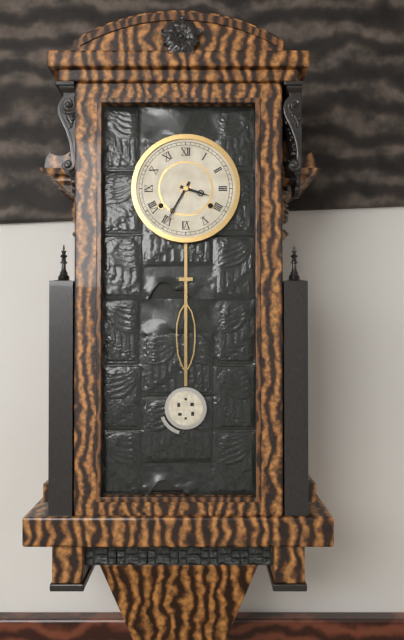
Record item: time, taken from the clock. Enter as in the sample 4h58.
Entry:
3h35
